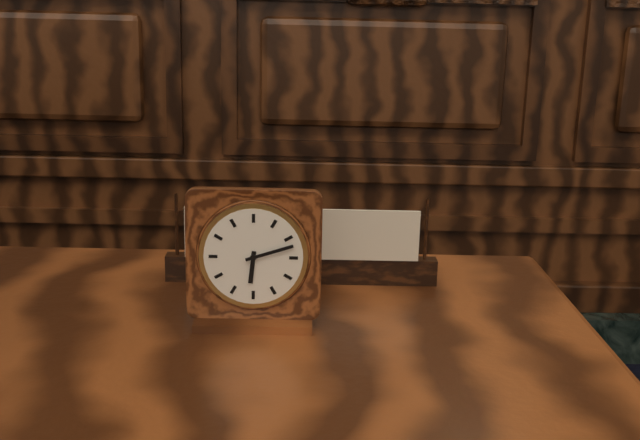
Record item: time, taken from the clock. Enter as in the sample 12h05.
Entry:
6h12
